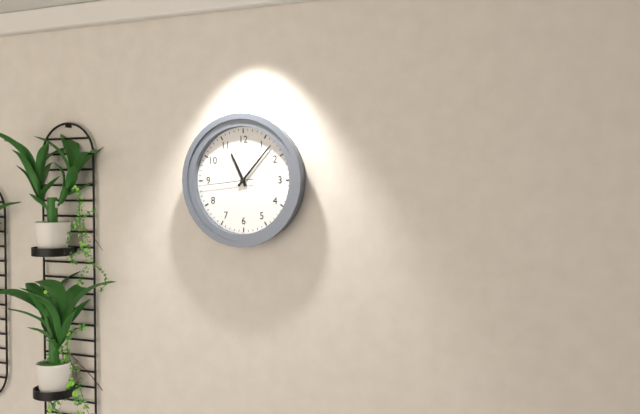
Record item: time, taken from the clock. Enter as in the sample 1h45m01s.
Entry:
11h07m44s
